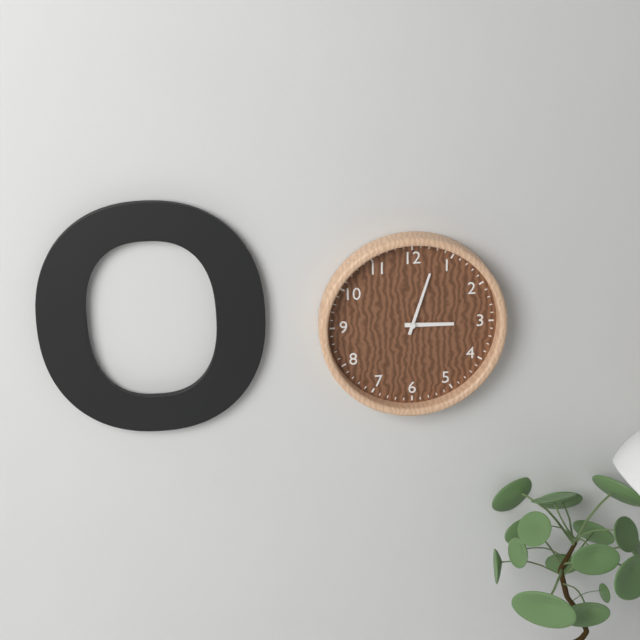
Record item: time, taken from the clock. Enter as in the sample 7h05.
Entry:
3h03
